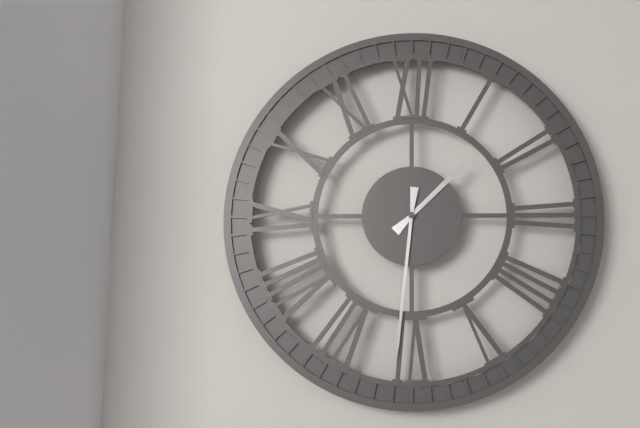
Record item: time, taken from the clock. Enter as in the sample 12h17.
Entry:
1h31
